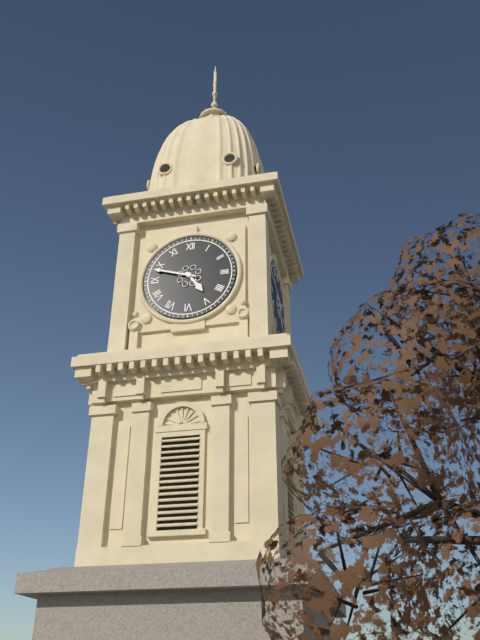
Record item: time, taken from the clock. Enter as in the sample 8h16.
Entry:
4h48
